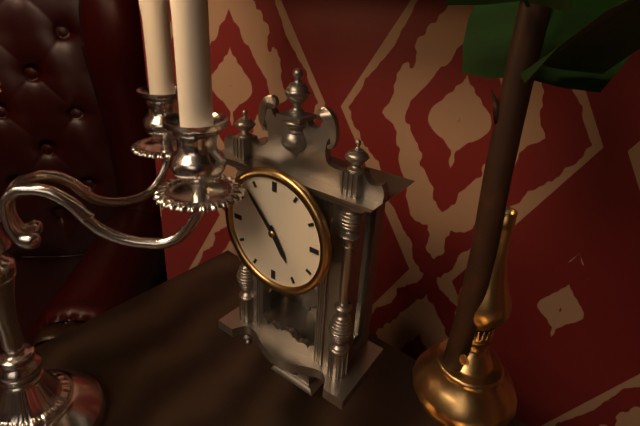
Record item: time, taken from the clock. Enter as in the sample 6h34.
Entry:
4h53
